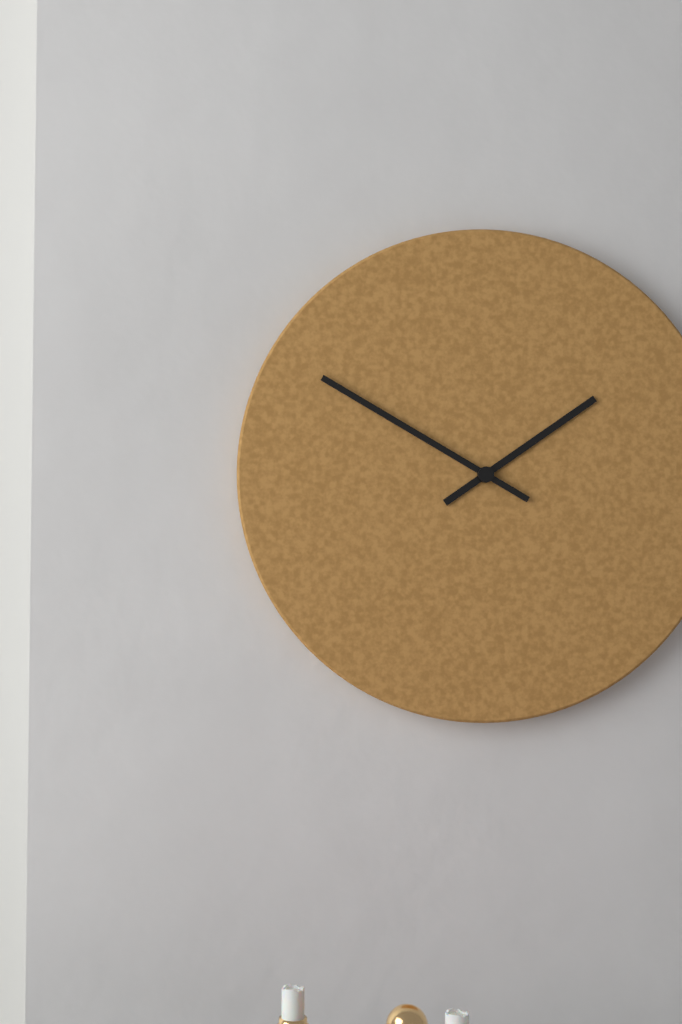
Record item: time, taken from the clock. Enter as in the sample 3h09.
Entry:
1h50
